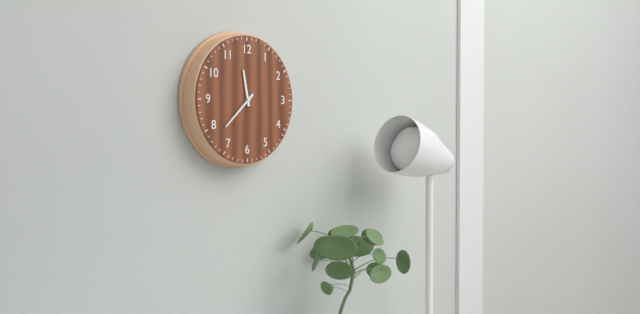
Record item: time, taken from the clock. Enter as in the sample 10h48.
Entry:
11h38
